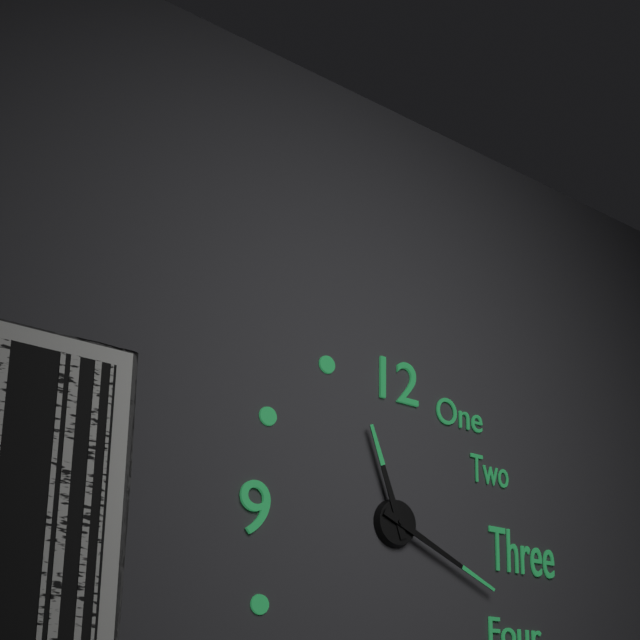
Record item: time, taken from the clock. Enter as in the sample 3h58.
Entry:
11h19
